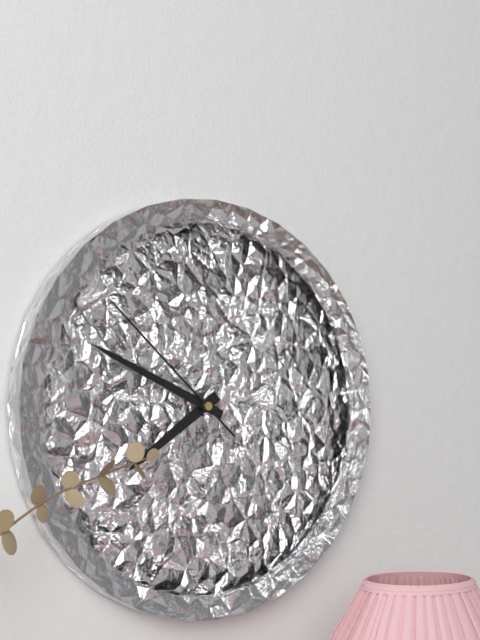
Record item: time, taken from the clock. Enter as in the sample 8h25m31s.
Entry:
7h49m52s
